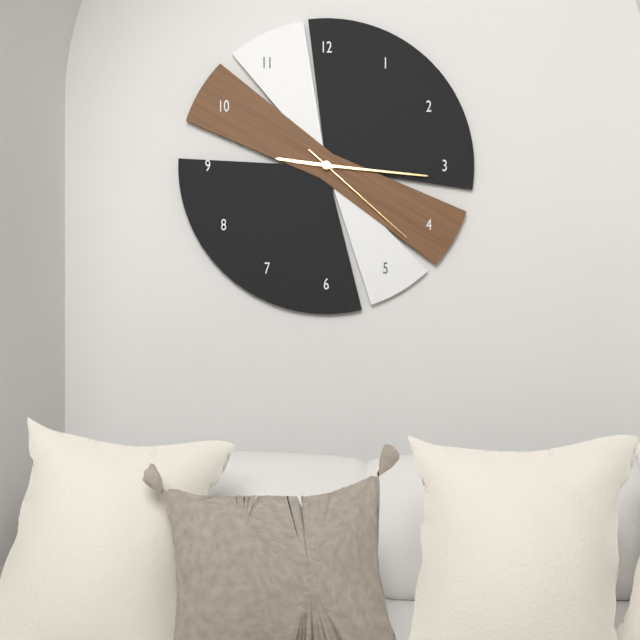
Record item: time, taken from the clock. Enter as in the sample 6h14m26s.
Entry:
9h16m22s
